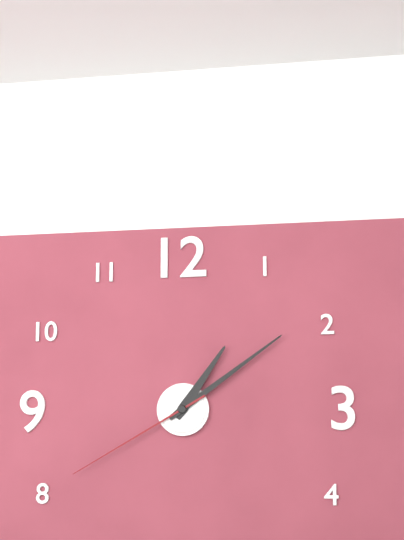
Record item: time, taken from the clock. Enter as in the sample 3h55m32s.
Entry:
1h09m40s
